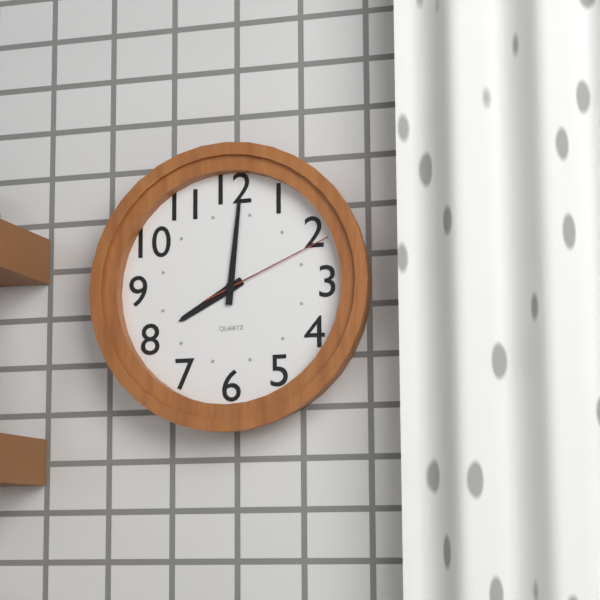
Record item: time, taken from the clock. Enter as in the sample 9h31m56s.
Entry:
8h01m11s
